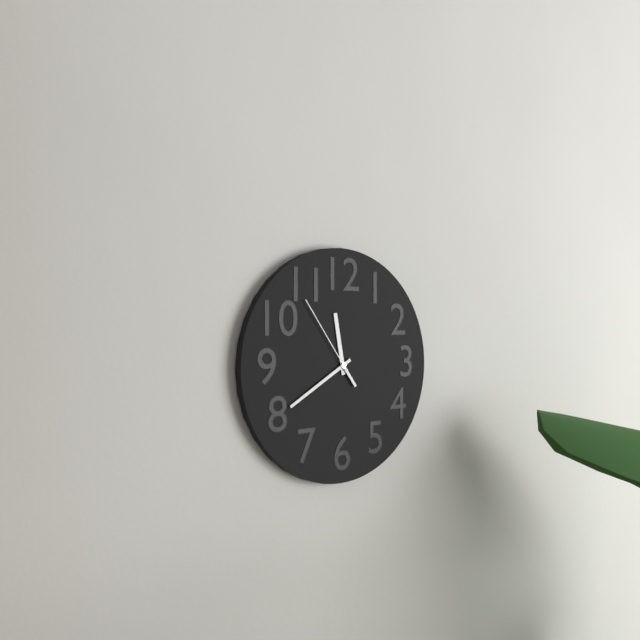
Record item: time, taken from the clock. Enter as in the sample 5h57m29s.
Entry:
11h40m54s
